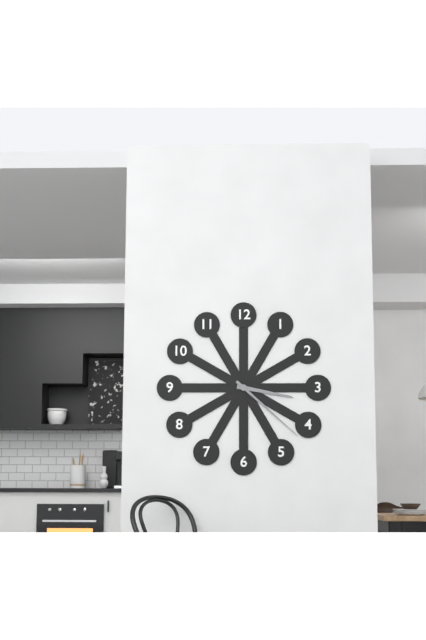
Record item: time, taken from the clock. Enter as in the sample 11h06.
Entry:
3h22
